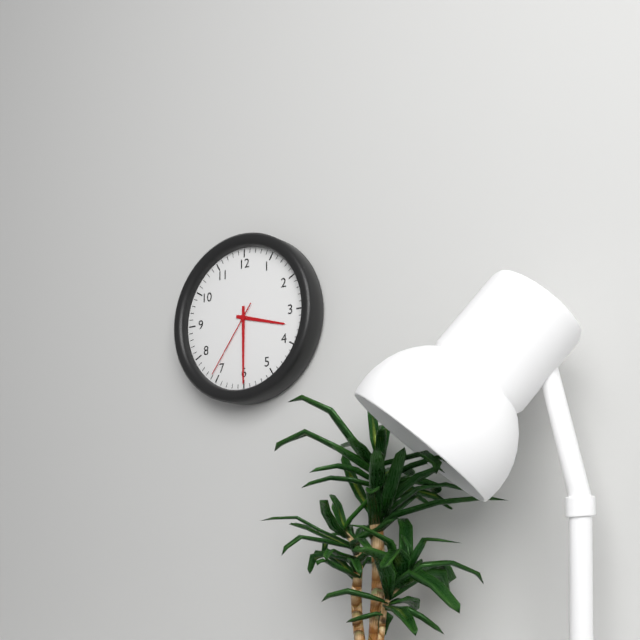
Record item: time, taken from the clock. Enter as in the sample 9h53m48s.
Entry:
3h30m36s
